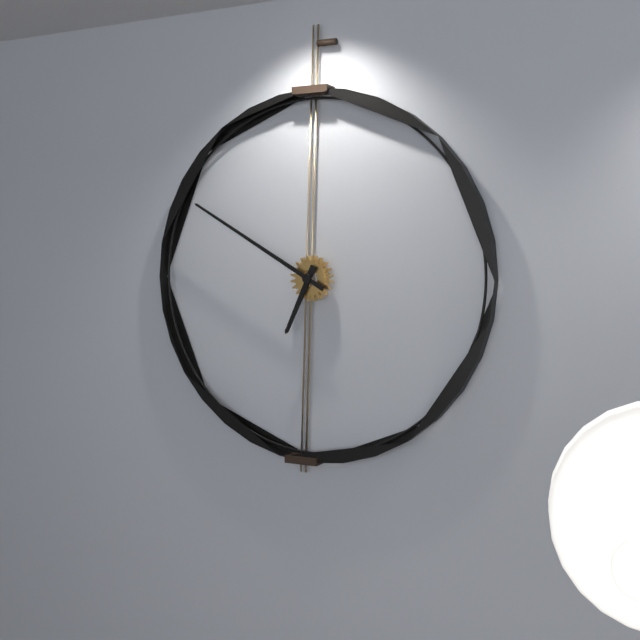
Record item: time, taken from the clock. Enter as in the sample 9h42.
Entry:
6h50
